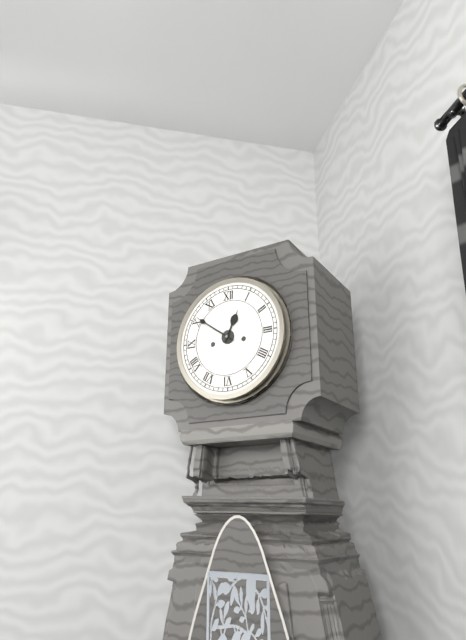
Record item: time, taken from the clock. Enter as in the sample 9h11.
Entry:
12h51
